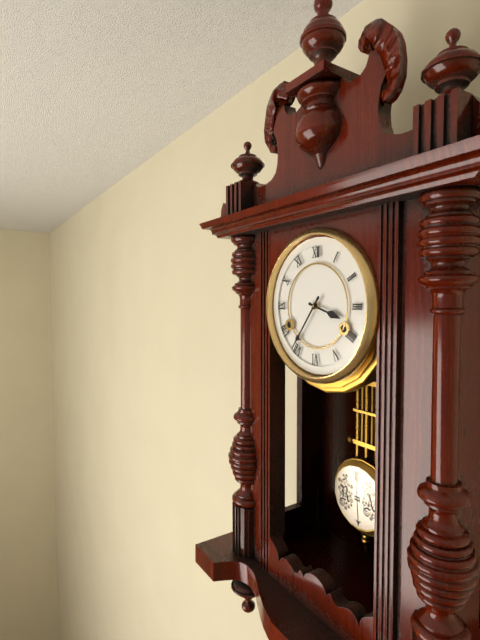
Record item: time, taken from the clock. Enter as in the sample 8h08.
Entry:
3h36
